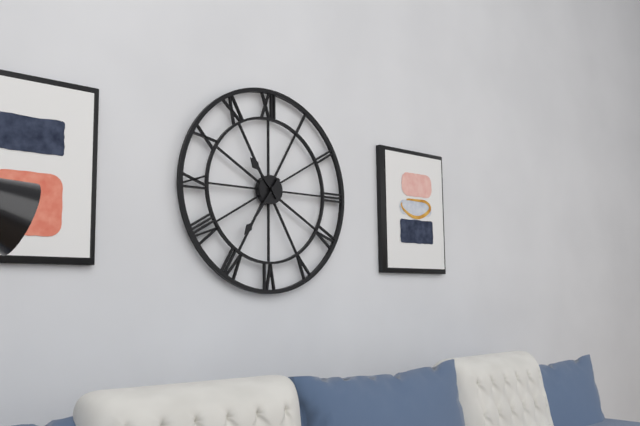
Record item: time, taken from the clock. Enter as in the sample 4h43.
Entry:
10h36
